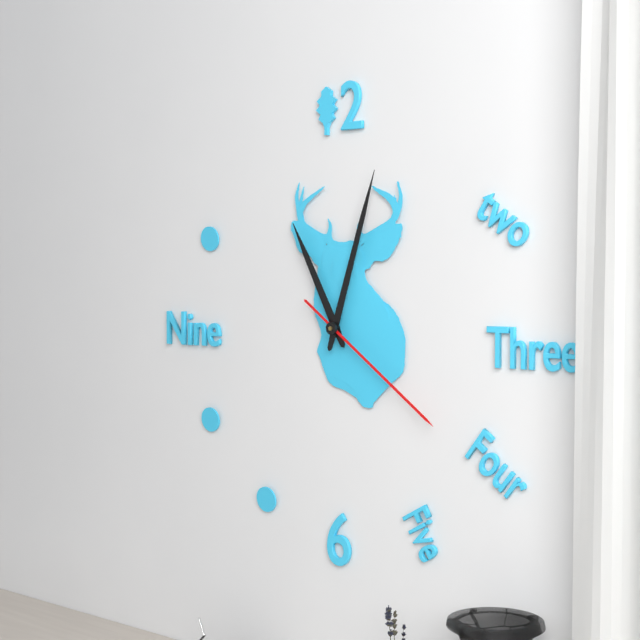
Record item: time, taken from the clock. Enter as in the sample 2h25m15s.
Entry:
11h03m21s
